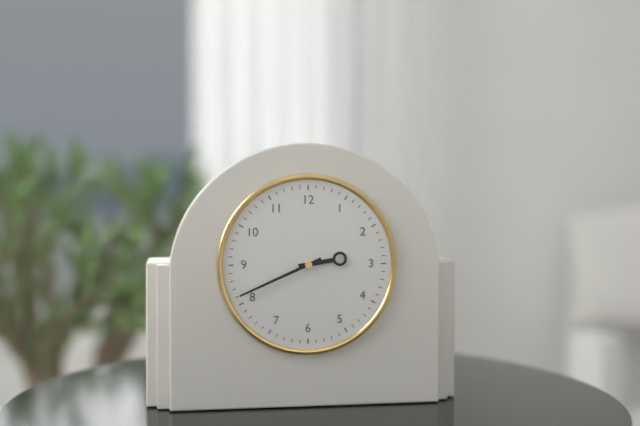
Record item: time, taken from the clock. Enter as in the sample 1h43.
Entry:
2h41
